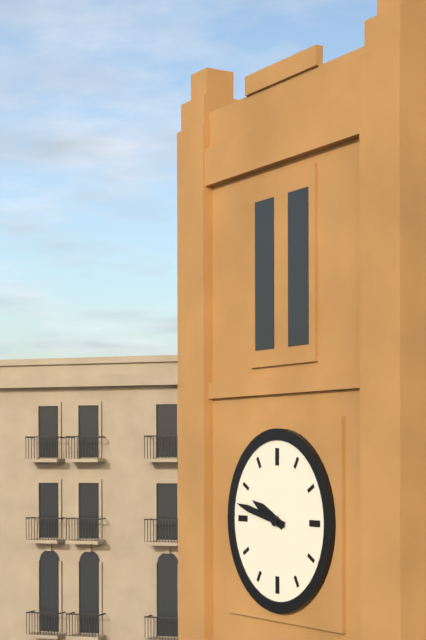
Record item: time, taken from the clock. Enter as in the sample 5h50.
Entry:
9h47
